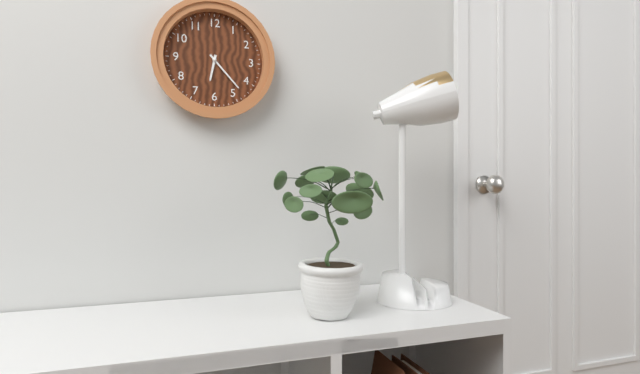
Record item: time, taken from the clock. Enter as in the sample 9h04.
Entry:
6h23
